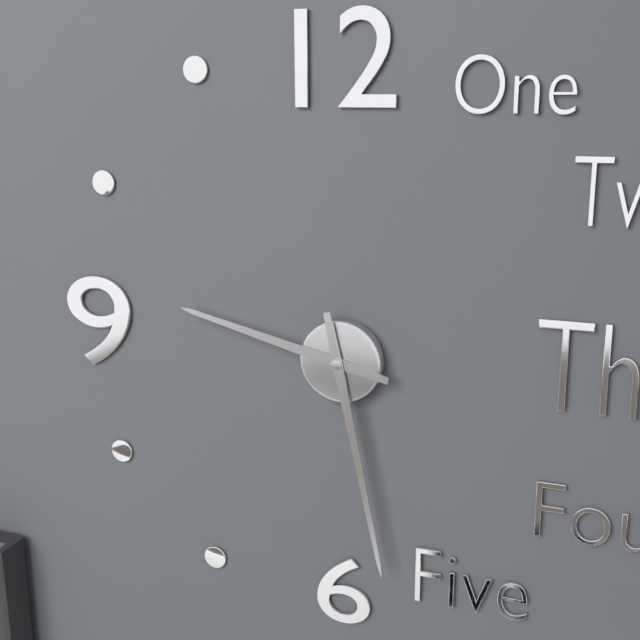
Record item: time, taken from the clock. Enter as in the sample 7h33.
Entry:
9h28
